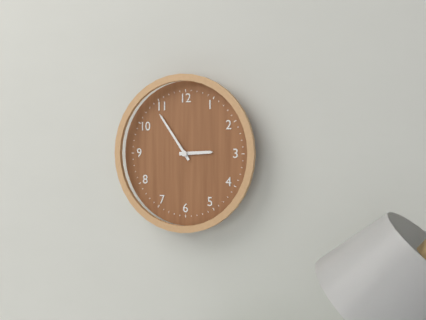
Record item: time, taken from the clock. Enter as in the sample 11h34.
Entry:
2h54
